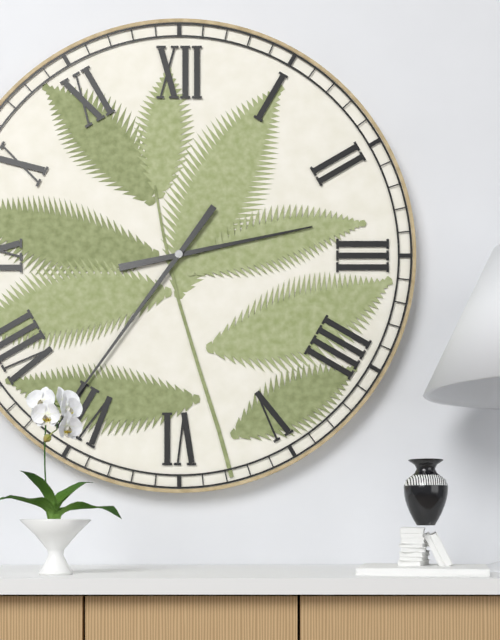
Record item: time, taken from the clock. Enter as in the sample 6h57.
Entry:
2h36
